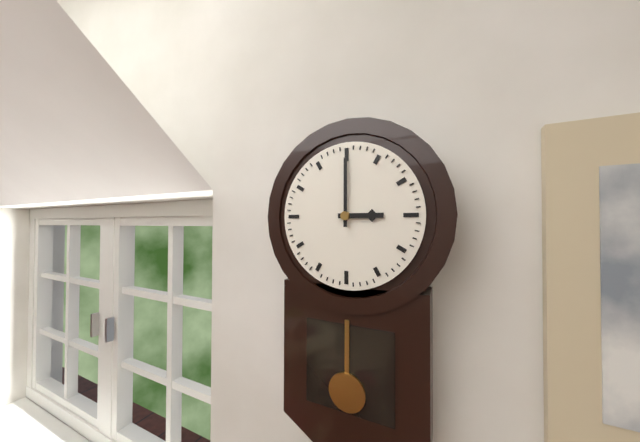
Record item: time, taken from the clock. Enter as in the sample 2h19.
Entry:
3h00
